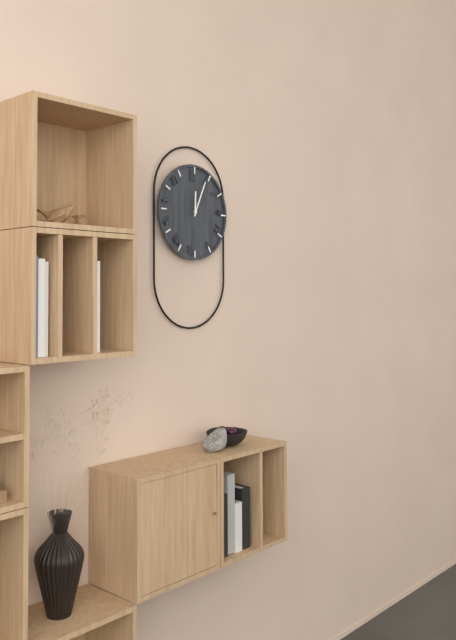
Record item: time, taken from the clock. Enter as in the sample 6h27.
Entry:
12h04
